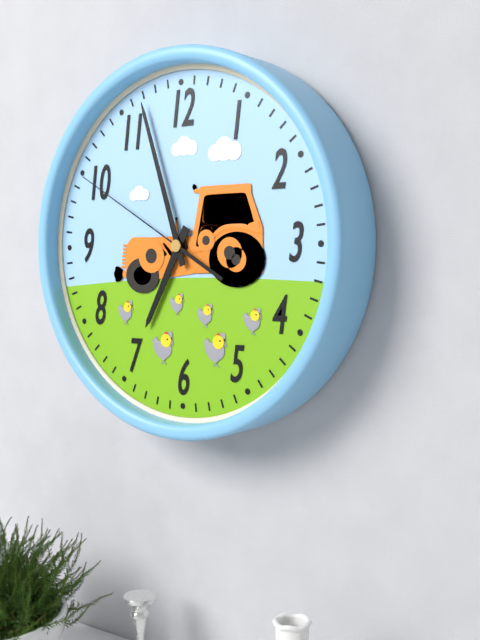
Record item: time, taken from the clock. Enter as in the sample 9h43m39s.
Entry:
6h57m50s
